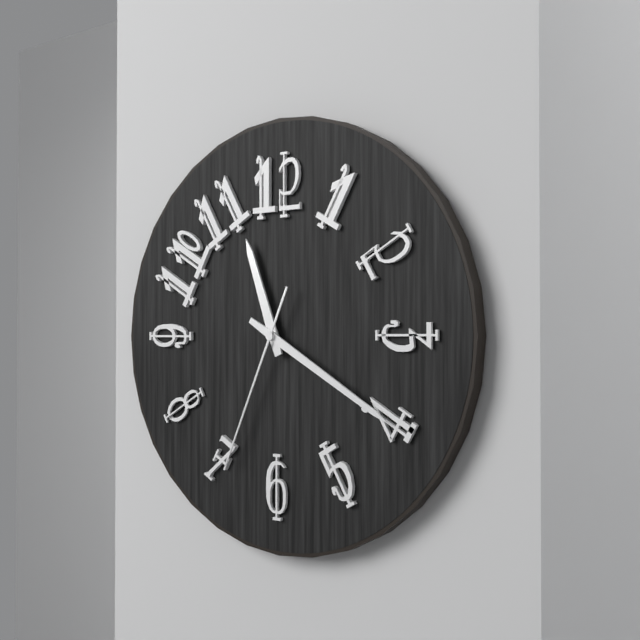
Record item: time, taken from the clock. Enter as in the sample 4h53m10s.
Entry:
11h20m34s
